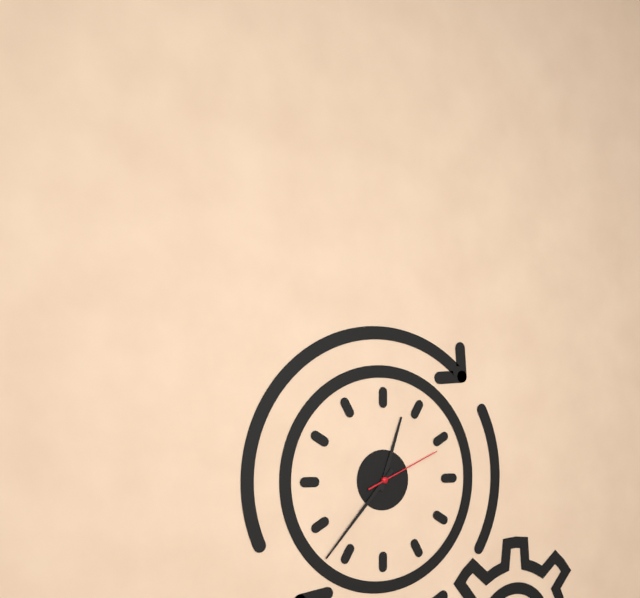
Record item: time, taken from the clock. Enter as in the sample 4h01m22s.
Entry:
12h37m11s
